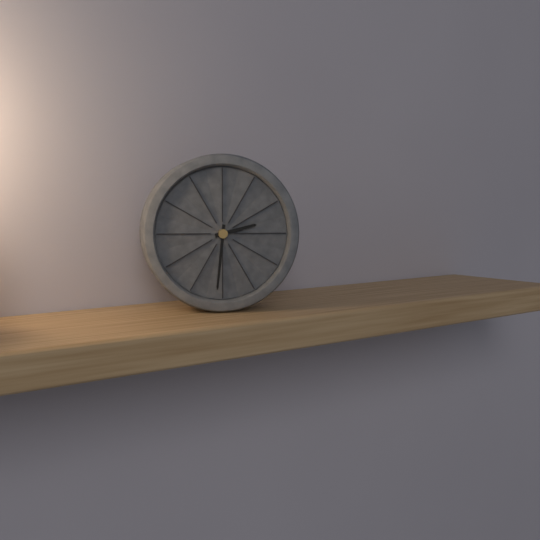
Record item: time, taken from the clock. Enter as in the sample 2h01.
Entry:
2h31
